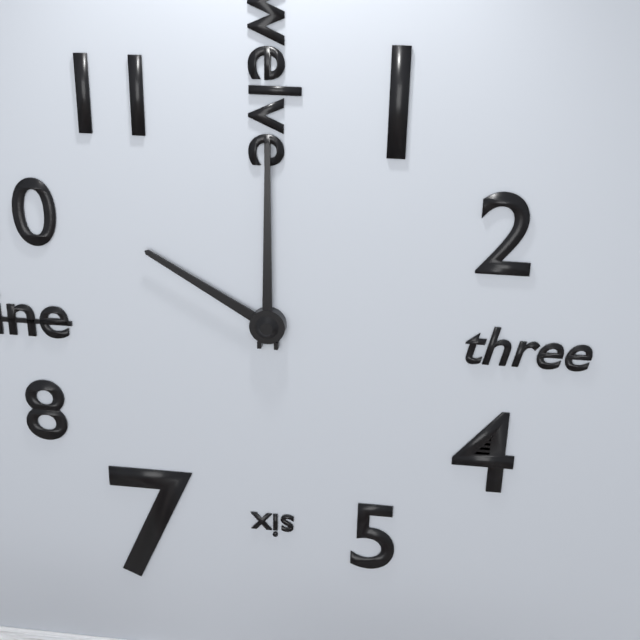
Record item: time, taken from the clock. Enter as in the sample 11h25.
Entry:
10h00
